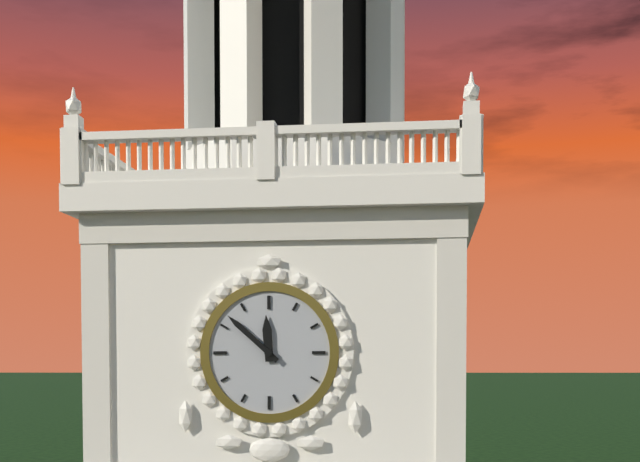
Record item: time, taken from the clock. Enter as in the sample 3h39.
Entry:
11h52
